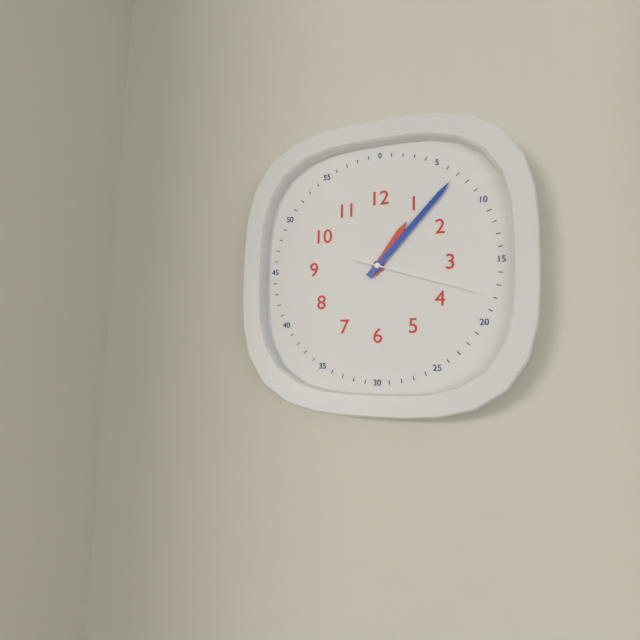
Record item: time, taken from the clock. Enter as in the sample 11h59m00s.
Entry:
1h07m18s
